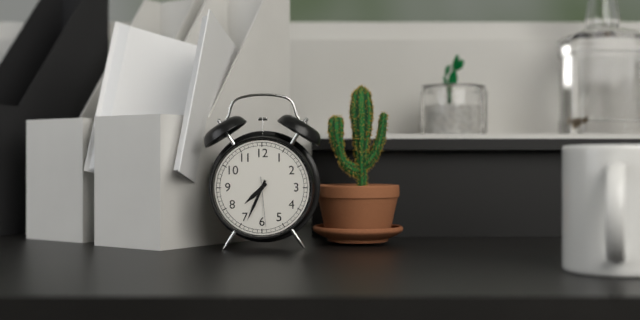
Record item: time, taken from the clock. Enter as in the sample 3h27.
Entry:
7h34
